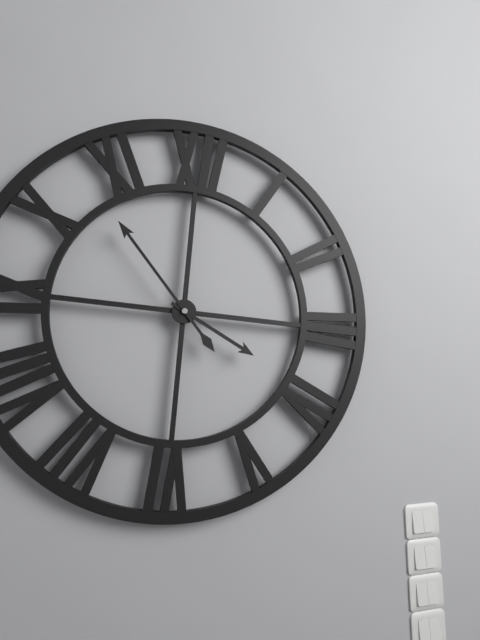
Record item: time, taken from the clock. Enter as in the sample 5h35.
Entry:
3h53
